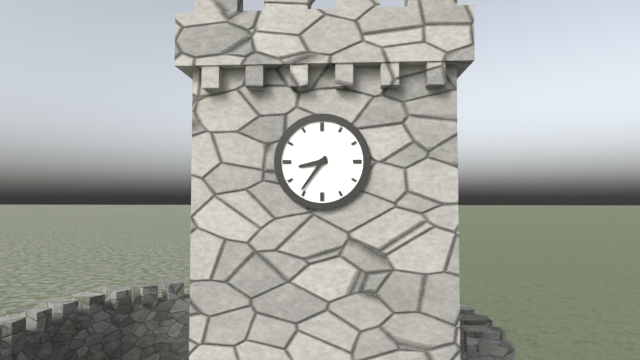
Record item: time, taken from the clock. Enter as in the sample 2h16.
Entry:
8h36
